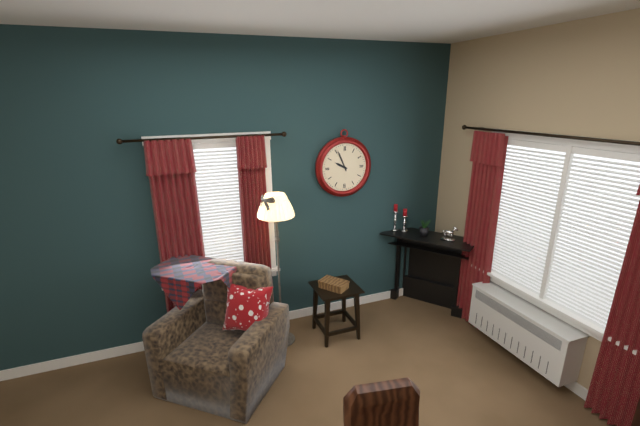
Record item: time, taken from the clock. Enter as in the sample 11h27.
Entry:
9h56
